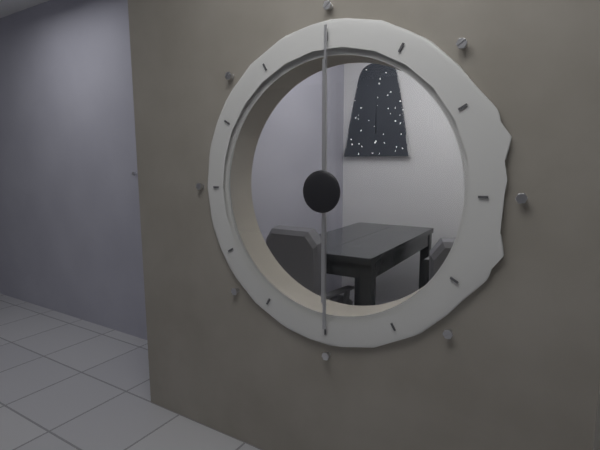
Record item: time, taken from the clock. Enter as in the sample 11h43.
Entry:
12h00
